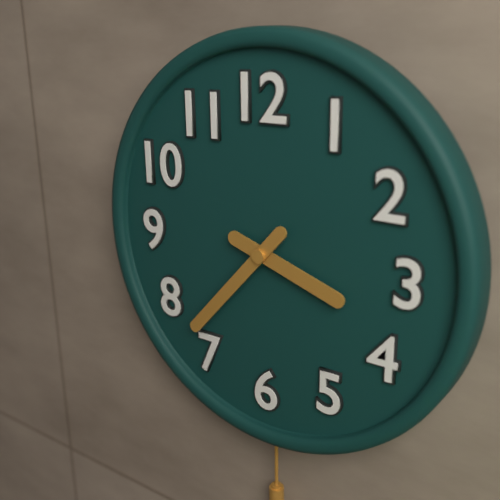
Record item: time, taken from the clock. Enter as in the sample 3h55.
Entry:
3h37
